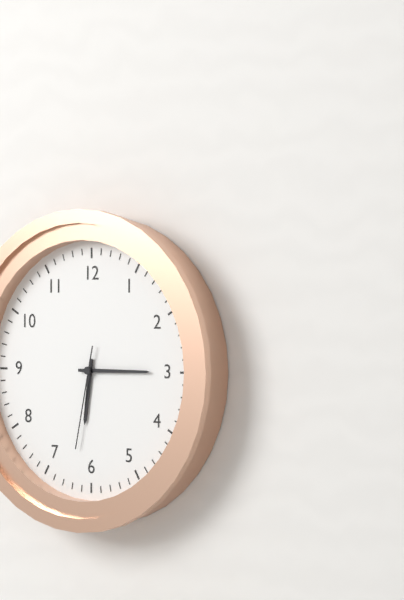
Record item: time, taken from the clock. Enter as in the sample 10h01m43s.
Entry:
6h15m32s
